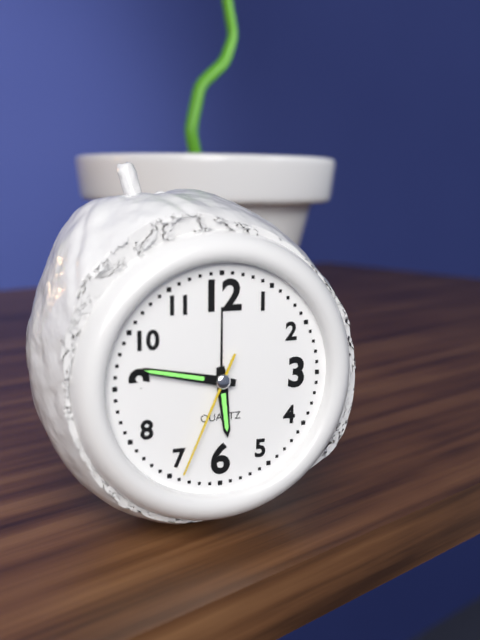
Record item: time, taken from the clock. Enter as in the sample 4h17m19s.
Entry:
5h47m34s
